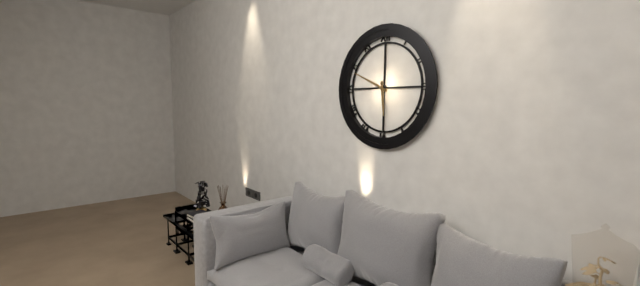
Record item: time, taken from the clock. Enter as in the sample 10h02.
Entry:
5h49
